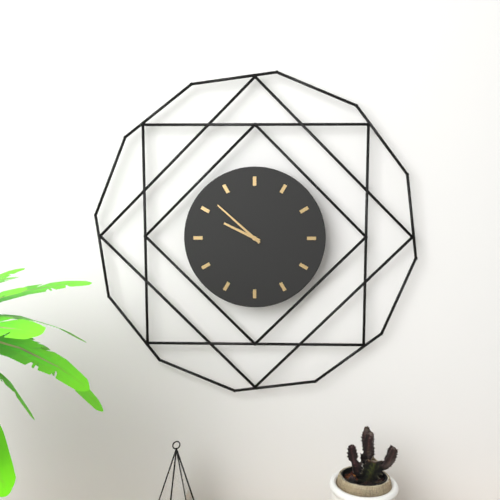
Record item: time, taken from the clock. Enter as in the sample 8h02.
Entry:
9h52
